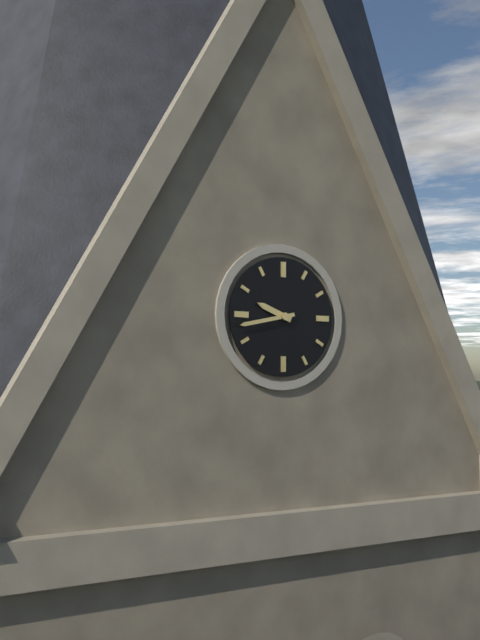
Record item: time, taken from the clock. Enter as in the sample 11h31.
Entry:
9h43
